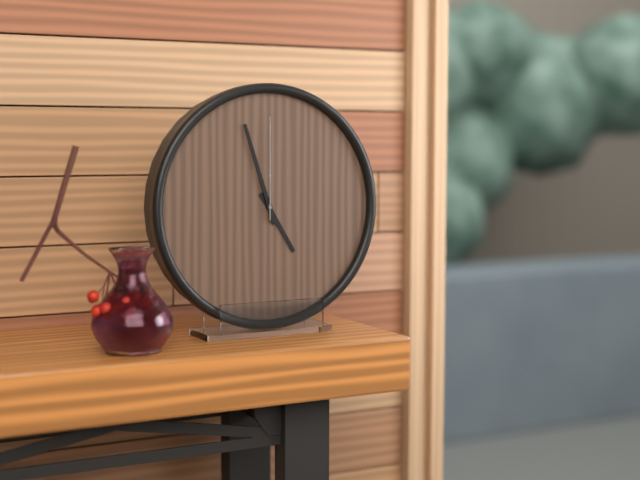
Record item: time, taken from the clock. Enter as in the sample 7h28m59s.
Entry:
4h57m00s
